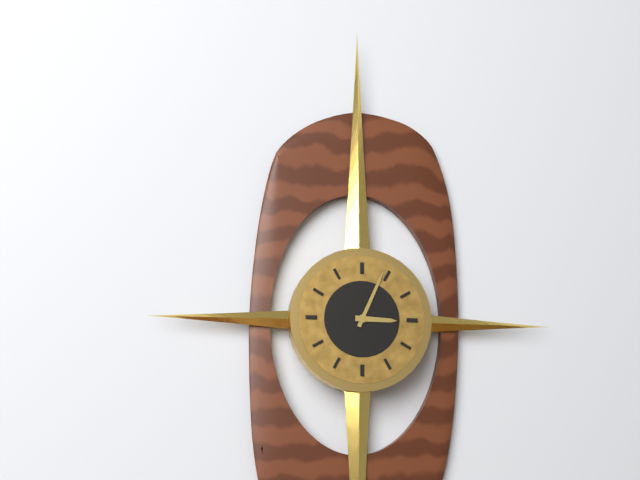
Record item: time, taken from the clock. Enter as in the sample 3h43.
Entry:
3h04
